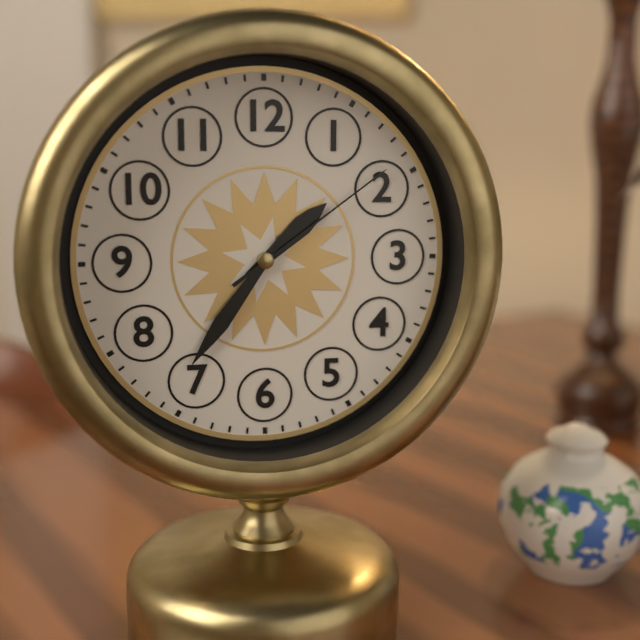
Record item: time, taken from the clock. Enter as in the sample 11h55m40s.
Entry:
1h36m09s
